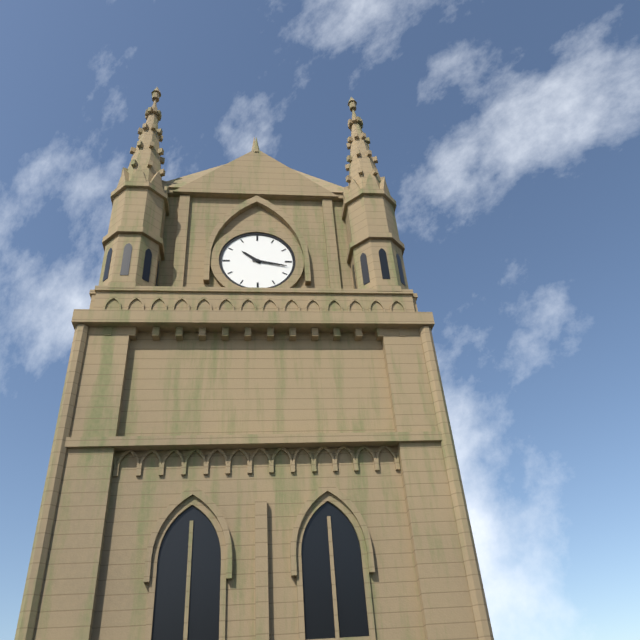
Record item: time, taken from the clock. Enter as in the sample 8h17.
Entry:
10h17
